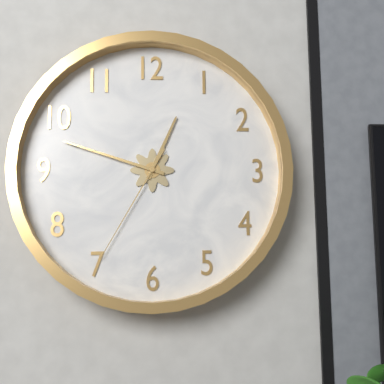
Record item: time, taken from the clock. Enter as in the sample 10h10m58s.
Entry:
12h48m35s
